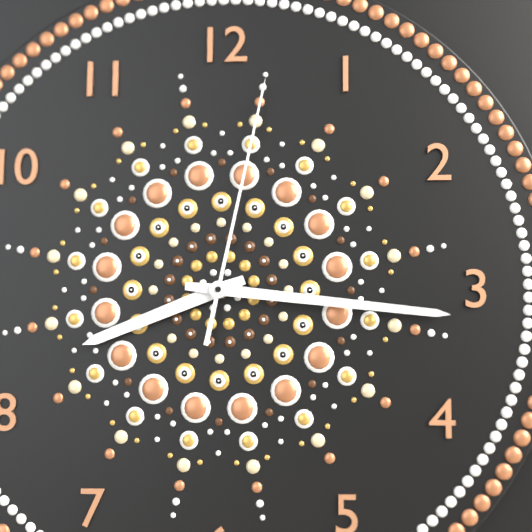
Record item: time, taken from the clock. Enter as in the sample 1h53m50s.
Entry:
8h16m02s
